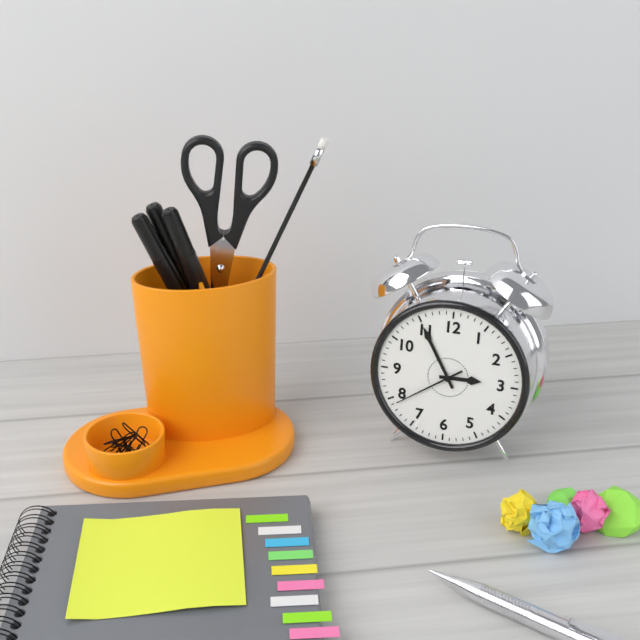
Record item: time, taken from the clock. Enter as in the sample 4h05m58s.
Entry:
2h55m39s
